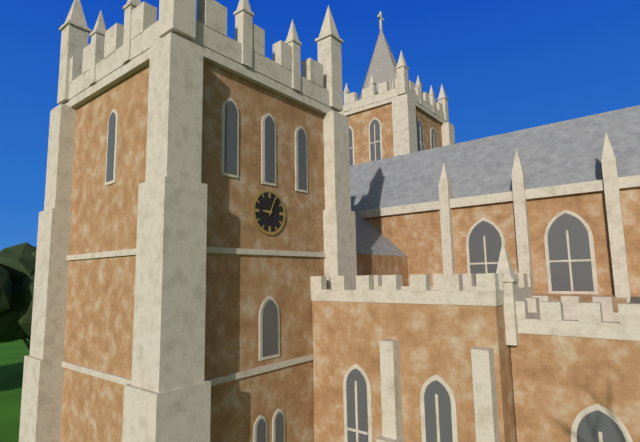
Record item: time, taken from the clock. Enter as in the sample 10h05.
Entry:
9h04
